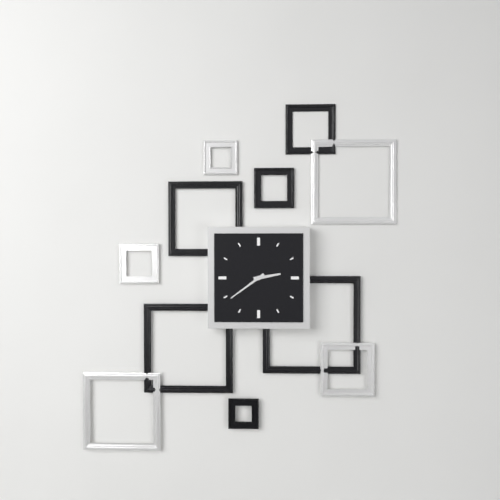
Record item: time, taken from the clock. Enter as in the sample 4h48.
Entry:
2h39
